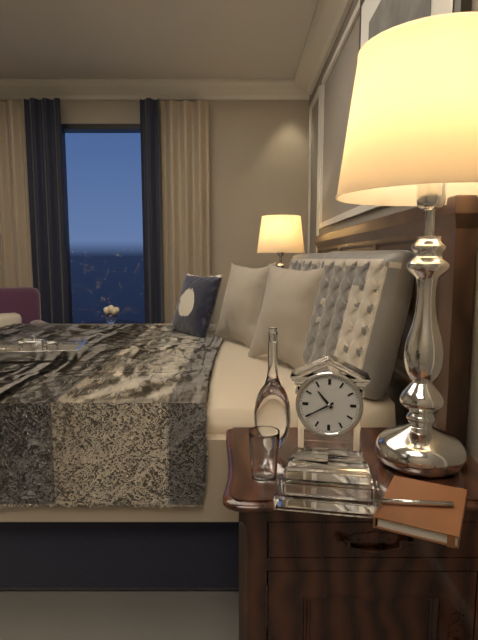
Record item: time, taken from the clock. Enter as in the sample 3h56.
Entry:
10h40
